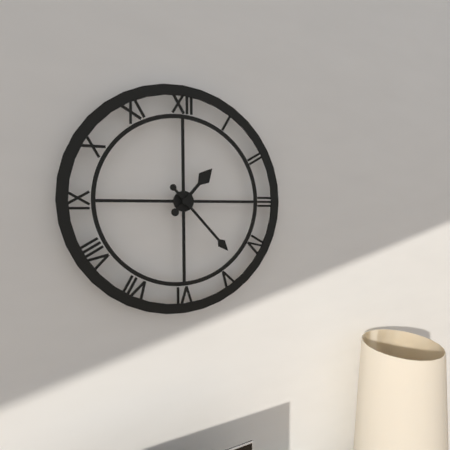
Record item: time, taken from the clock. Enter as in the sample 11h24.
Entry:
1h23
